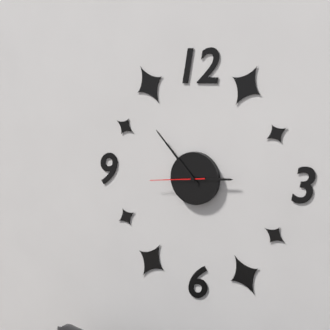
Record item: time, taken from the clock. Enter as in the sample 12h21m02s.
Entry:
2h53m44s
